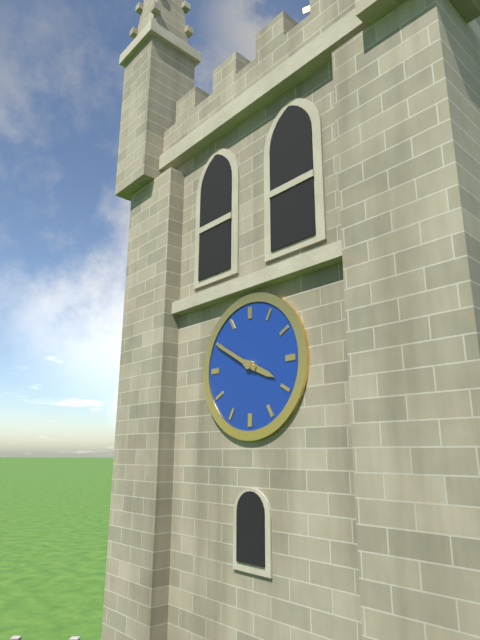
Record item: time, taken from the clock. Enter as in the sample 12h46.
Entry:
3h50
